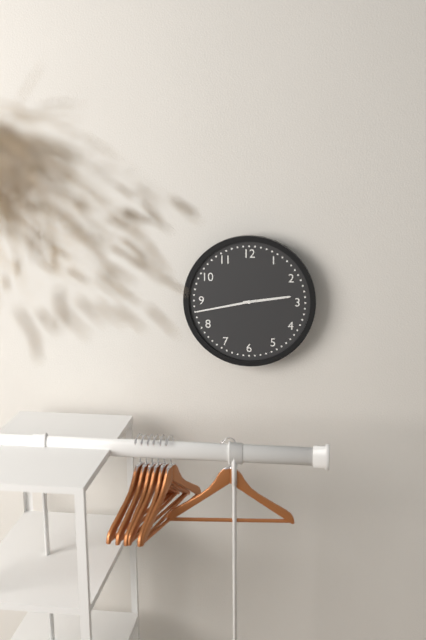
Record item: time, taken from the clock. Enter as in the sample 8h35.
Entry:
2h43
